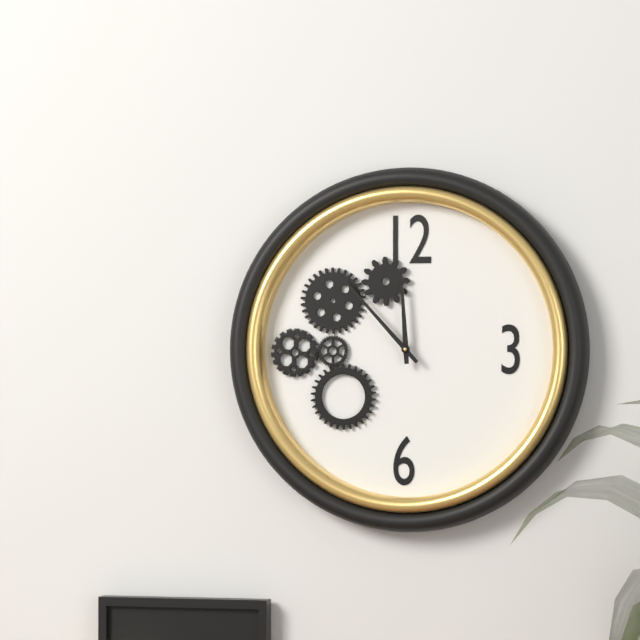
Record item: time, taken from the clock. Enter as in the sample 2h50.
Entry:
11h53
